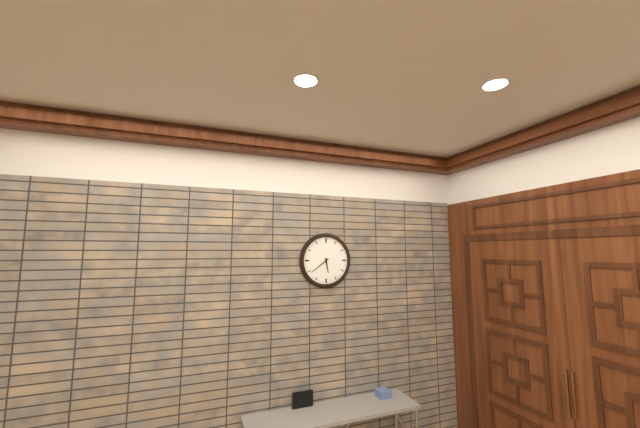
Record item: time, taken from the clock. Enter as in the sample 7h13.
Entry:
5h39
